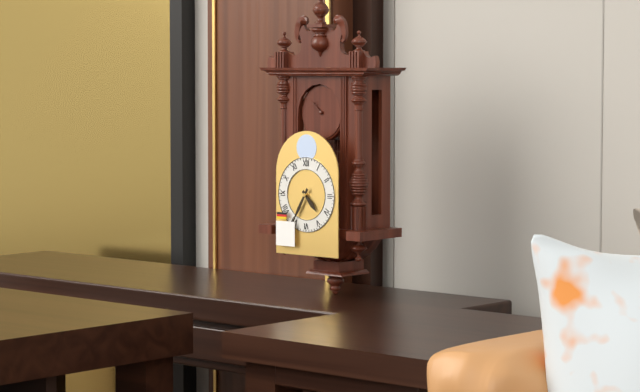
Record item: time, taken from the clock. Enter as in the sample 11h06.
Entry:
4h35
